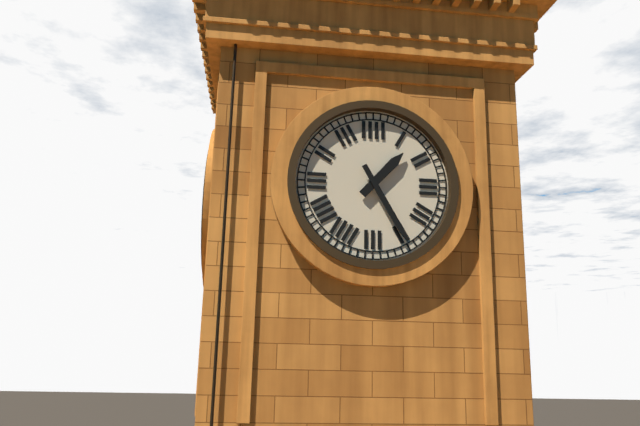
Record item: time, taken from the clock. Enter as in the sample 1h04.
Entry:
1h25
